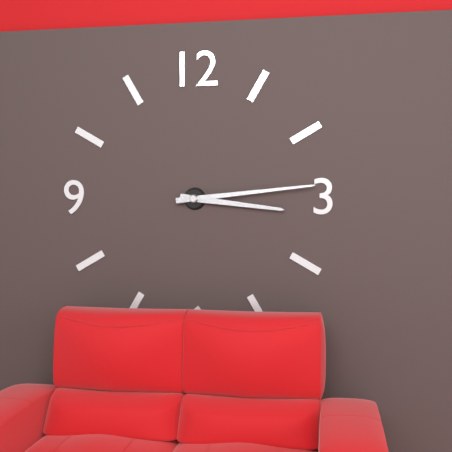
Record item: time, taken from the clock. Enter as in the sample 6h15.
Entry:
3h14
